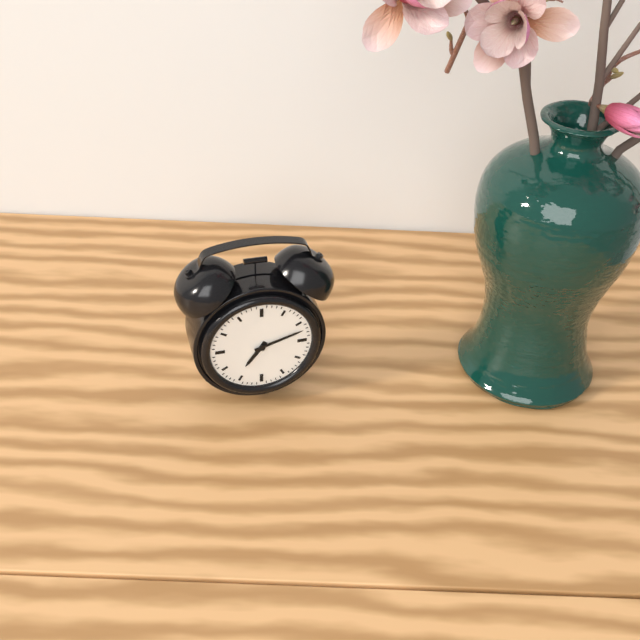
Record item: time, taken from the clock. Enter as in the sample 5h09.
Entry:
7h12
